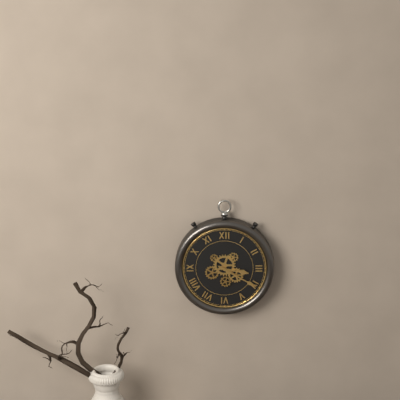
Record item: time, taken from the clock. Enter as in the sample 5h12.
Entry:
3h20
